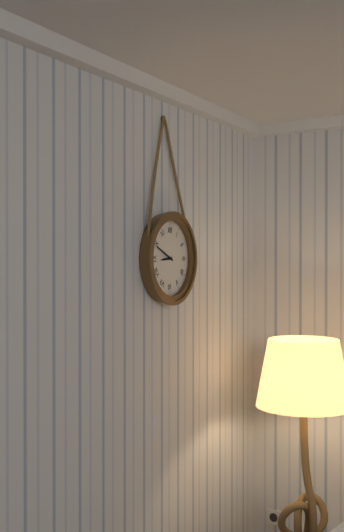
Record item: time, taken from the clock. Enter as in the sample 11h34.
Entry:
8h49
